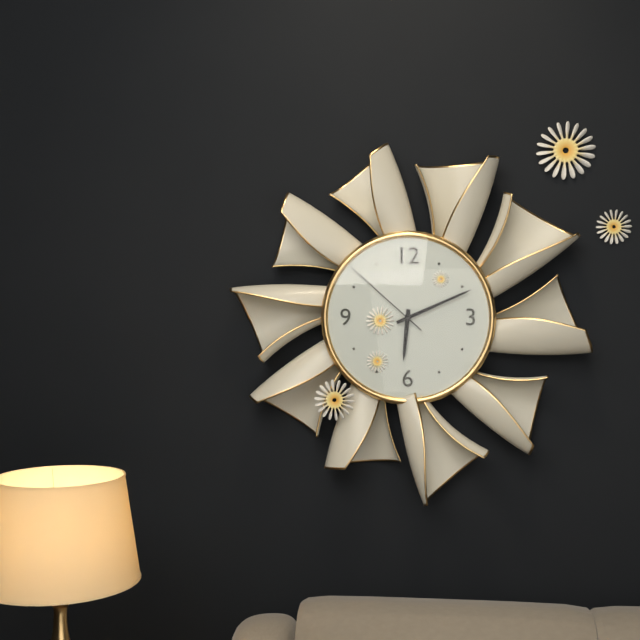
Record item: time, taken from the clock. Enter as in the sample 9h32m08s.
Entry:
6h11m52s
